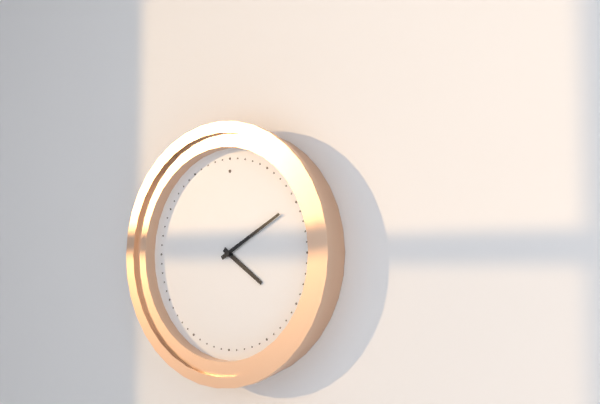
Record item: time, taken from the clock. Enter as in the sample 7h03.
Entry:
4h10
